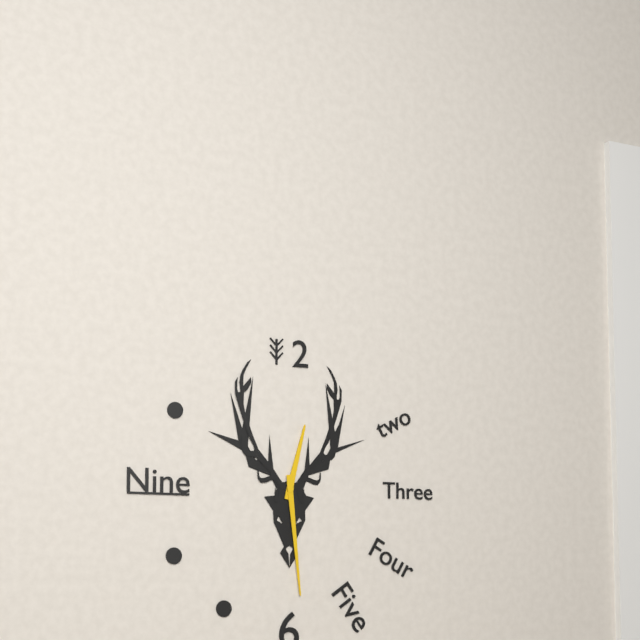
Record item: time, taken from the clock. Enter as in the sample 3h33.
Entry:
12h29
